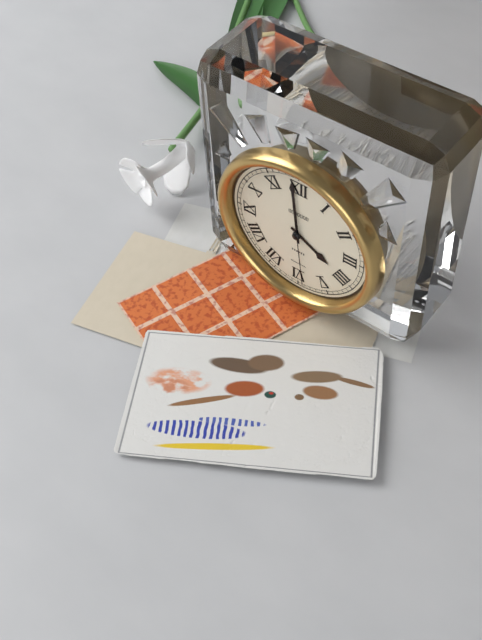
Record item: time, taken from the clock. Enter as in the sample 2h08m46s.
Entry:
3h59m29s
